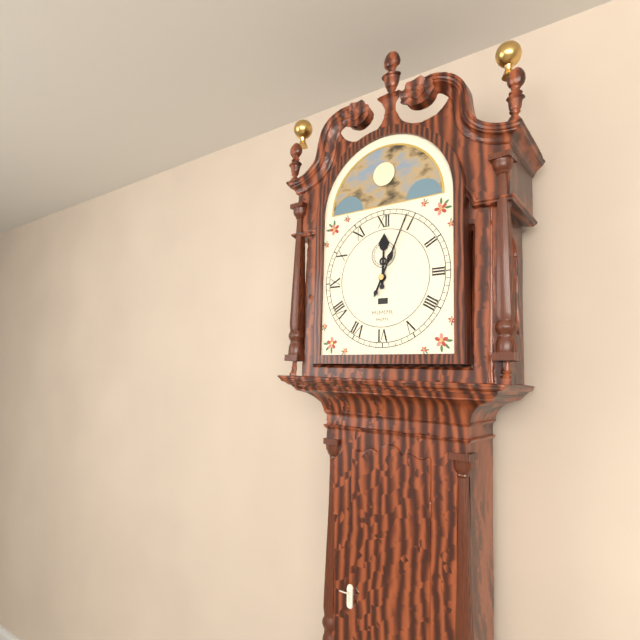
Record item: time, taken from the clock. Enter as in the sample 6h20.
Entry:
12h04
